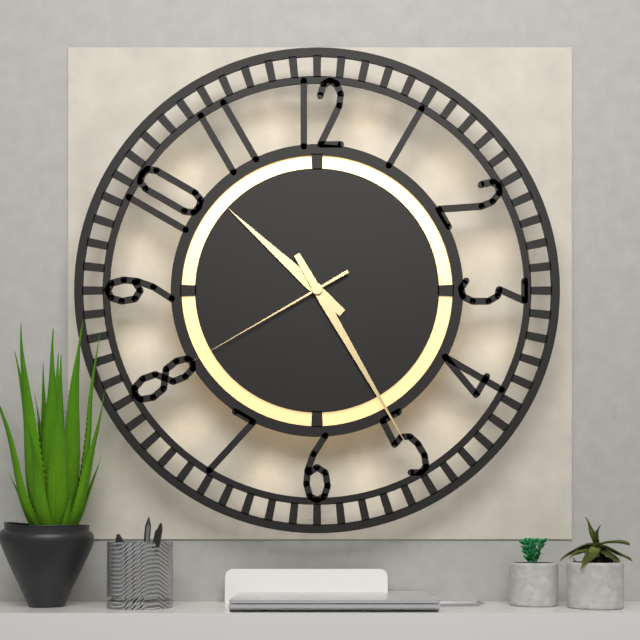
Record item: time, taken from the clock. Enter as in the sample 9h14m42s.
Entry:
10h25m40s
